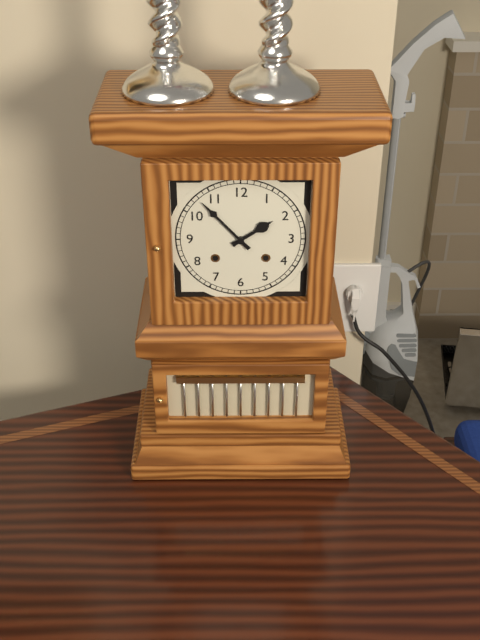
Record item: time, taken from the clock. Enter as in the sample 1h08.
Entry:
1h53
